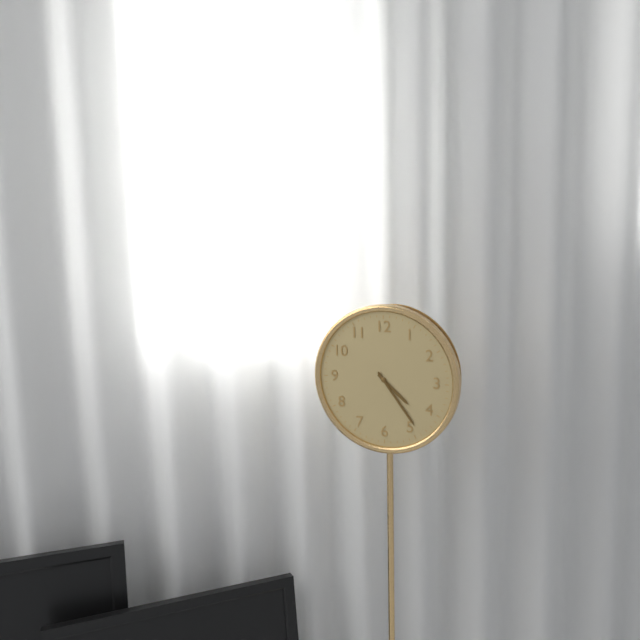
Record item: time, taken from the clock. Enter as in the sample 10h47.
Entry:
4h24
